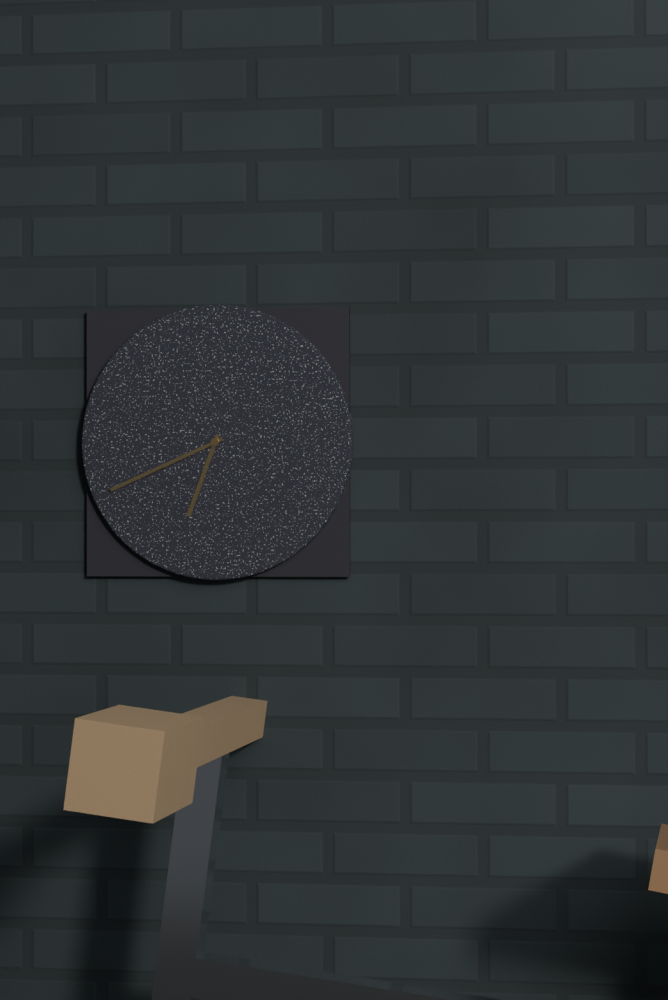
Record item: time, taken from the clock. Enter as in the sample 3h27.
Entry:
6h41
